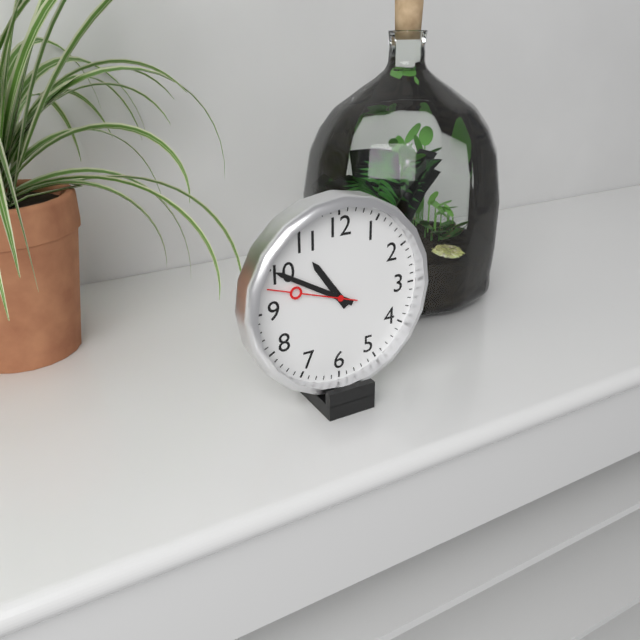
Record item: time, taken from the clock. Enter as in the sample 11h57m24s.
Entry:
10h50m48s
